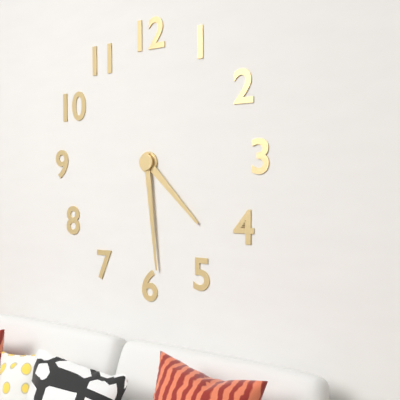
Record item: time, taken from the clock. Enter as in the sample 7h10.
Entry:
4h29
